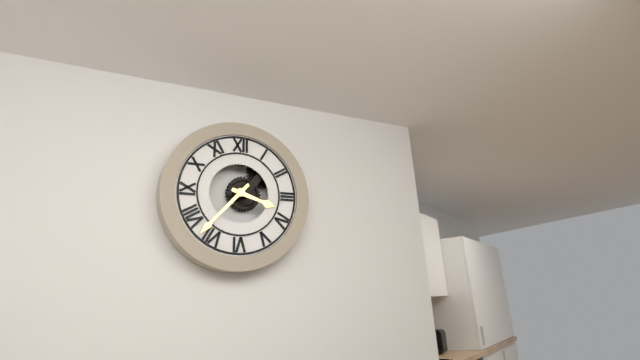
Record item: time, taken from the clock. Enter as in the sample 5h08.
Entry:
3h37
